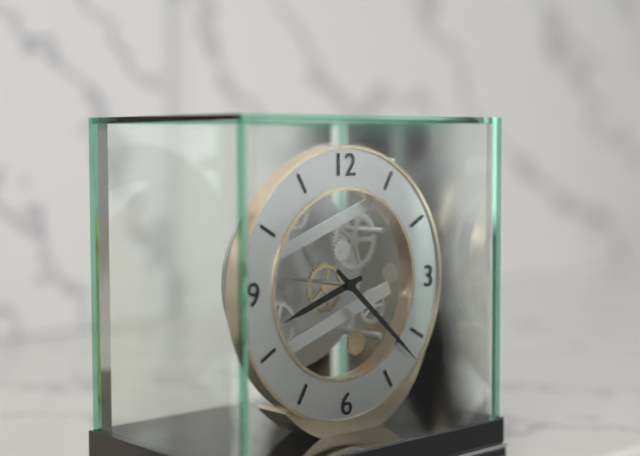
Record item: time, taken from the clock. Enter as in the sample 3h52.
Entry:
8h22
